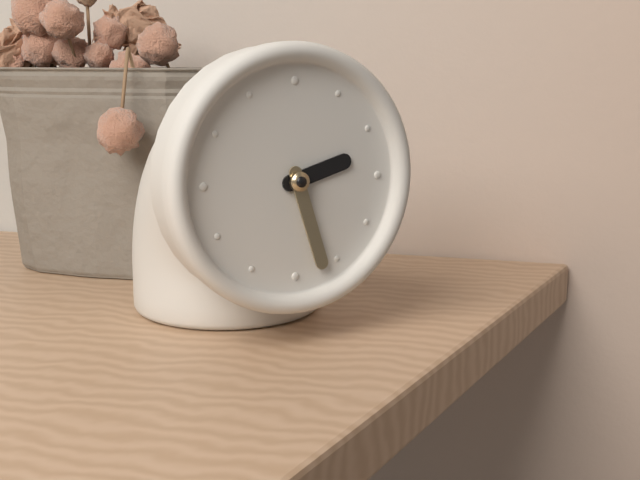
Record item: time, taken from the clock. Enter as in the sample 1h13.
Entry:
2h27
